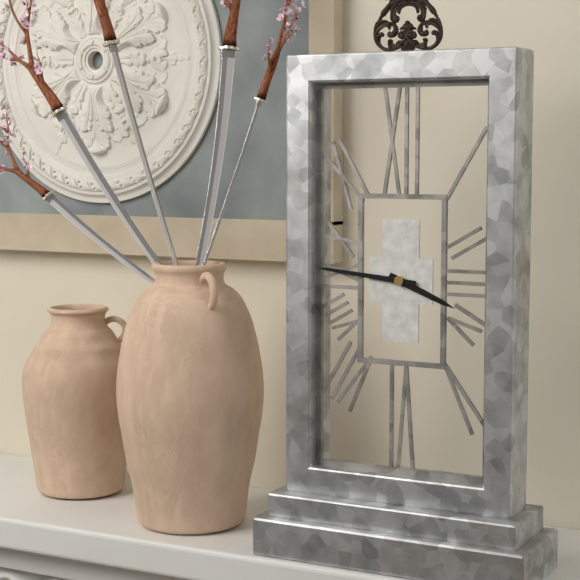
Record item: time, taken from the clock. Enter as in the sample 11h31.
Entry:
3h46
